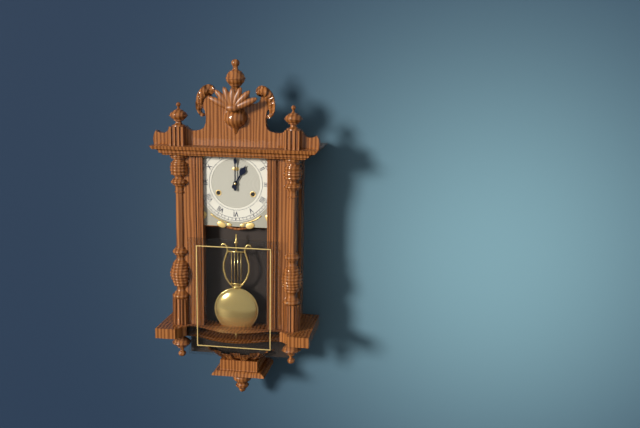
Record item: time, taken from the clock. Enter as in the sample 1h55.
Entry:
1h00
